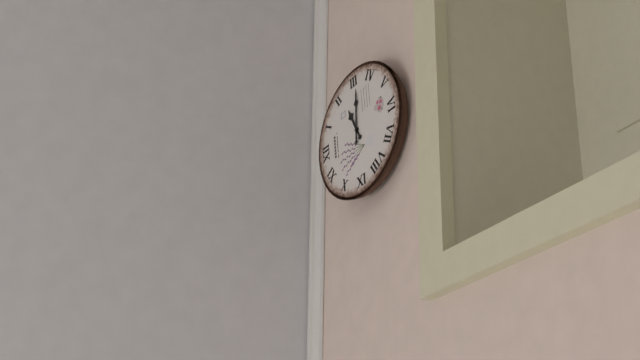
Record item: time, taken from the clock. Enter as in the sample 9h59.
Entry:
2h16
